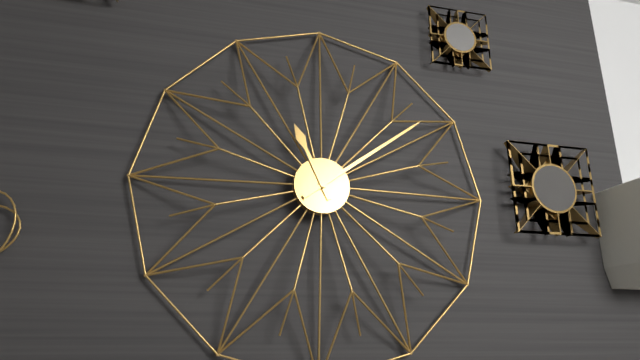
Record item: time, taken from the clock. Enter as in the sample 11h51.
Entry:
11h09
